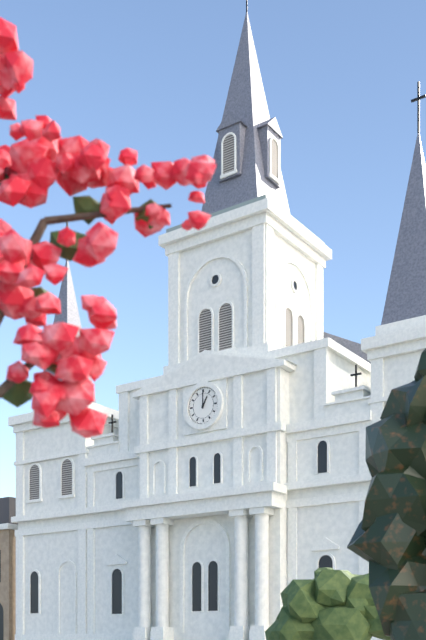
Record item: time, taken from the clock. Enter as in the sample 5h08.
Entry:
1h00
